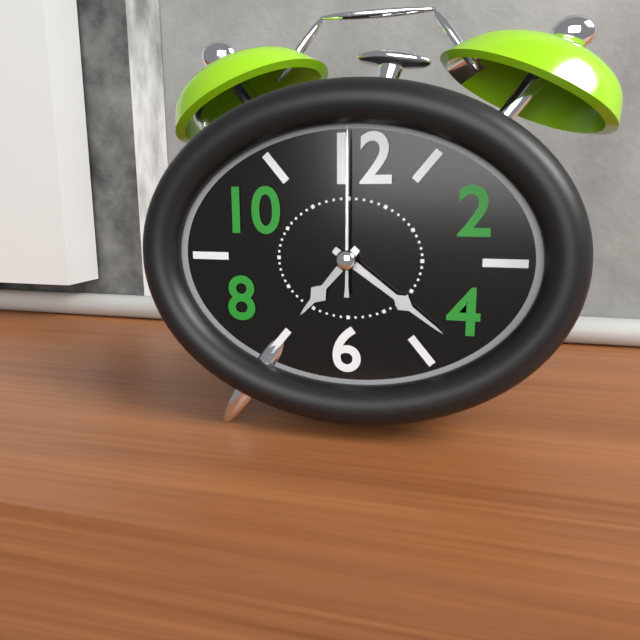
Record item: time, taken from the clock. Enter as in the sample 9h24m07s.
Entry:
7h21m00s
